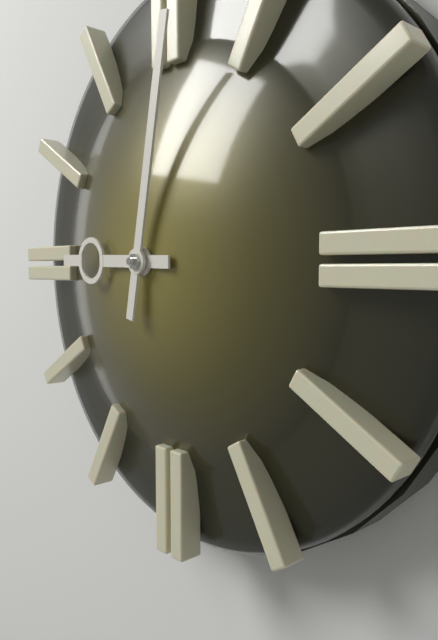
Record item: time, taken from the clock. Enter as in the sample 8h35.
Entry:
9h02
